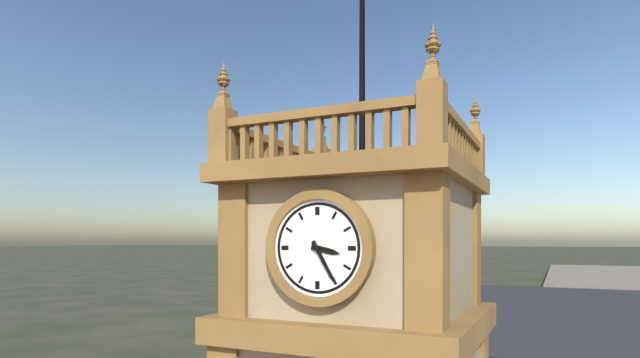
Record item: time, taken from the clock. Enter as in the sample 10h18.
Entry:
3h25
